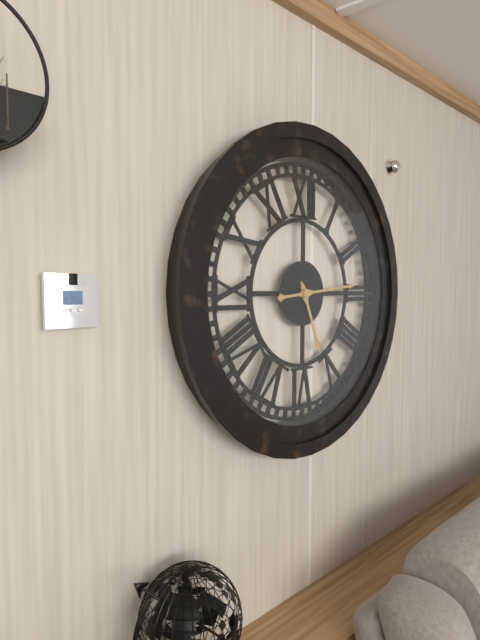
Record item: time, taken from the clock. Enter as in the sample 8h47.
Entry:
5h14
